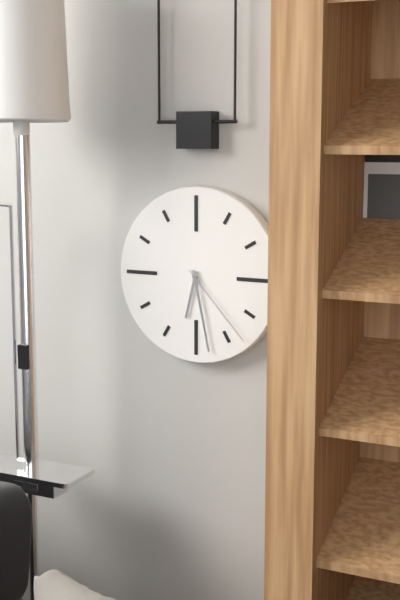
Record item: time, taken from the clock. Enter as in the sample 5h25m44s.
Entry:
6h28m23s
